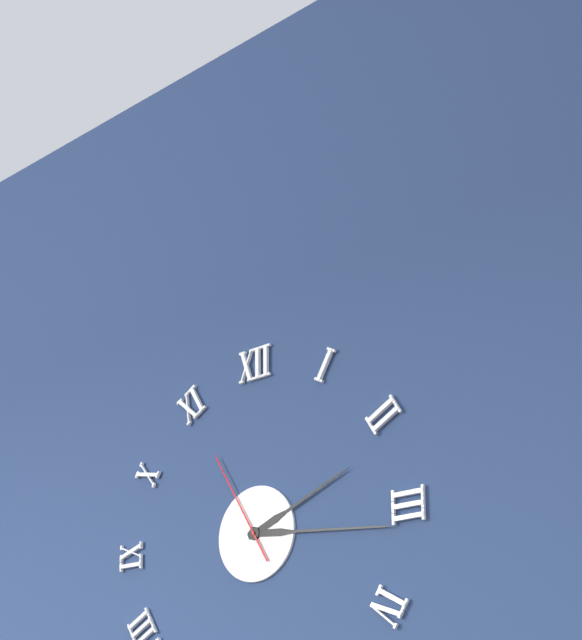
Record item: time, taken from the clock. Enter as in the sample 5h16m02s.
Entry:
2h16m55s
